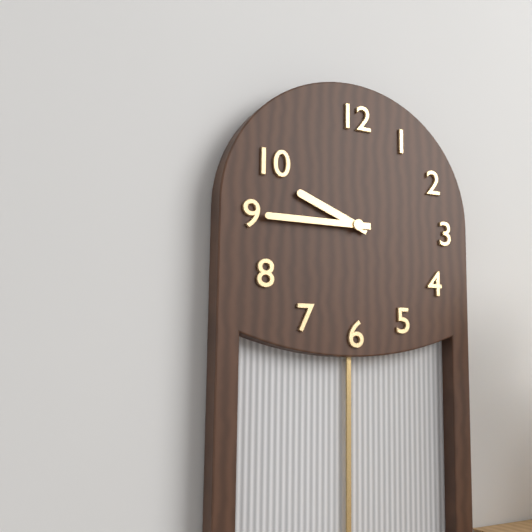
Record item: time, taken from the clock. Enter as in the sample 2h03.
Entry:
9h45
